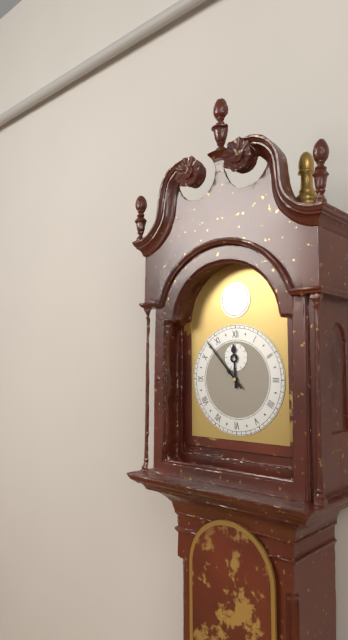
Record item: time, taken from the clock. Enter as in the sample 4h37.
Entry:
11h53
